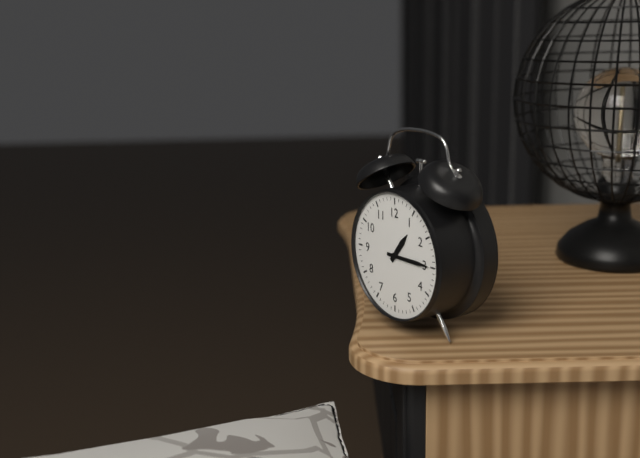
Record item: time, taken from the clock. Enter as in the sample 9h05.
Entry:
1h15
